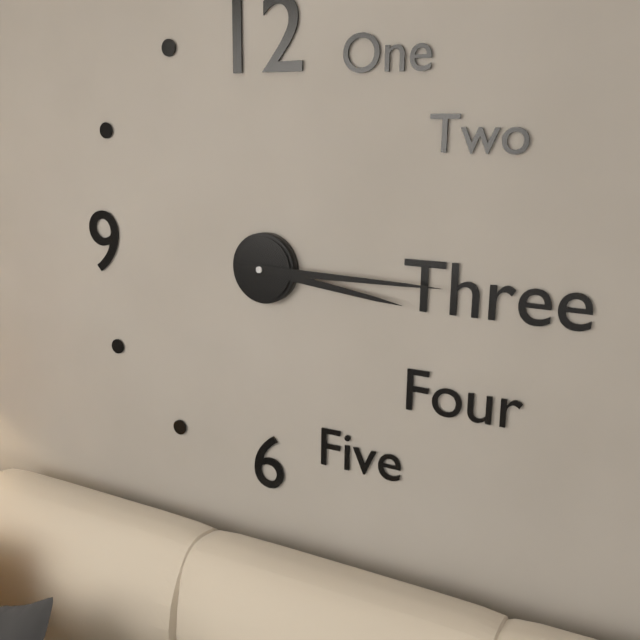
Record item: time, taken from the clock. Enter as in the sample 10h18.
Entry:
3h15
